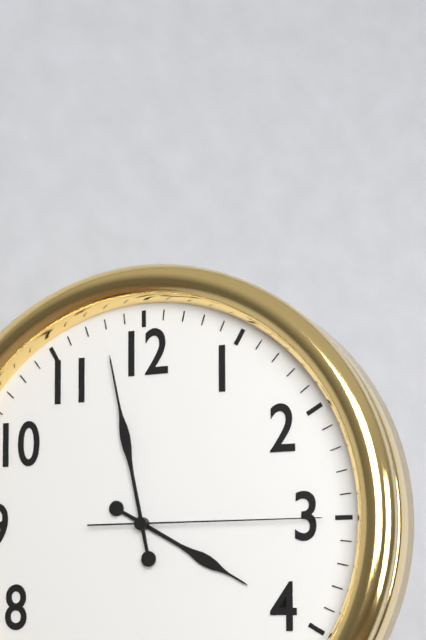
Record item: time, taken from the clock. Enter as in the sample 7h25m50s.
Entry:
3h58m15s
